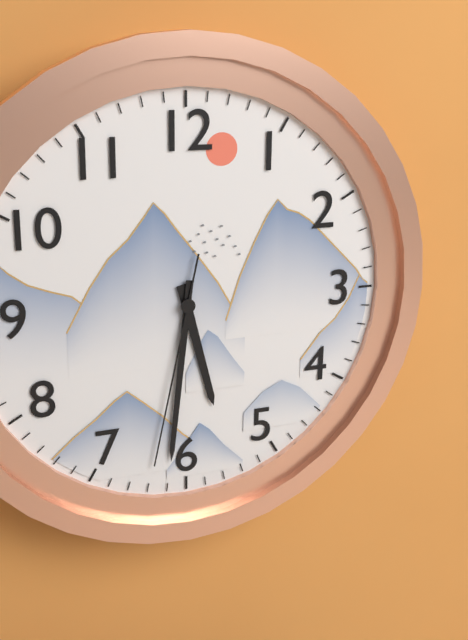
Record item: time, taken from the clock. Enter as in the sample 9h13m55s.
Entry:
5h31m32s
